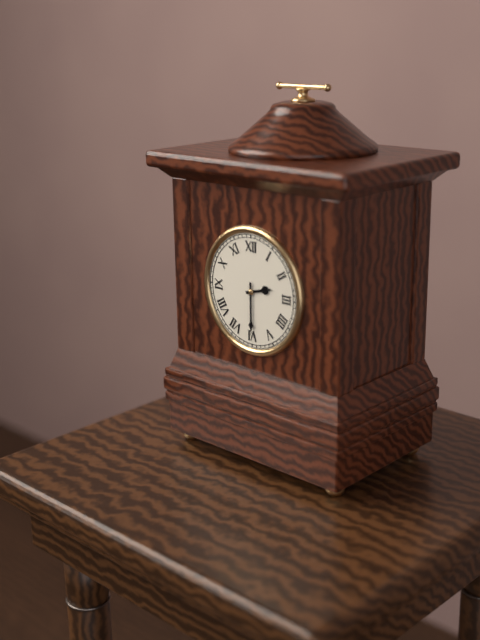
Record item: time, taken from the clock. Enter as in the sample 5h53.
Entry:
2h30
